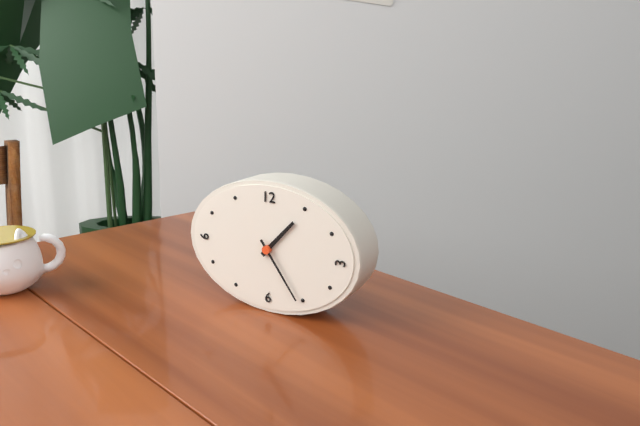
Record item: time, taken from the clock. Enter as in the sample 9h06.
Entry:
1h24
